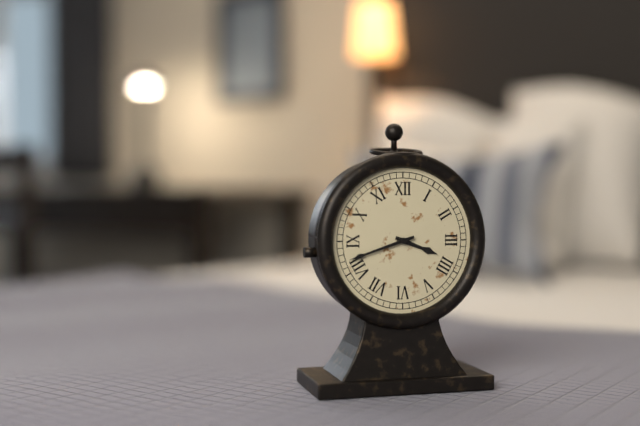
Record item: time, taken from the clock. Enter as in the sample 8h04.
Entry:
3h42
